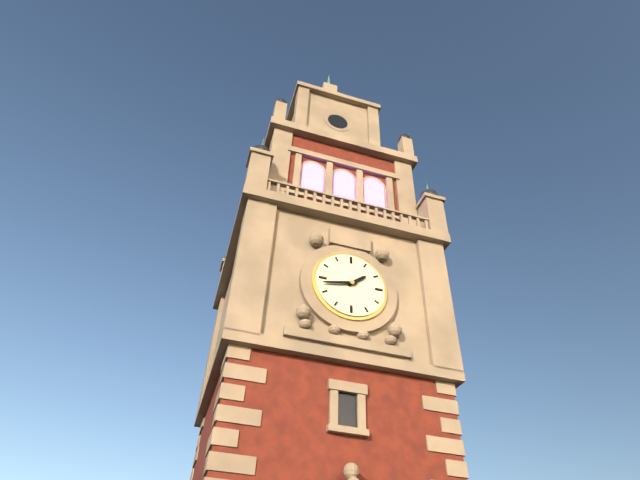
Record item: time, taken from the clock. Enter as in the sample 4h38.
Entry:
1h43
